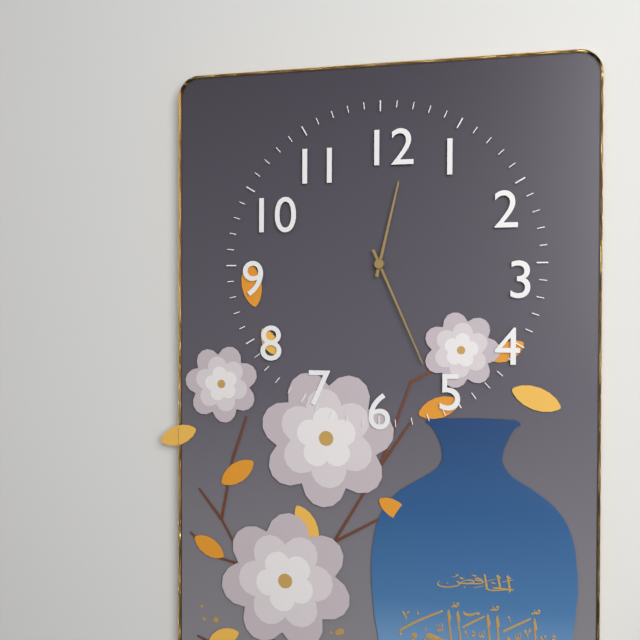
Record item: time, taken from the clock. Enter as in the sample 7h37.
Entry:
12h26
